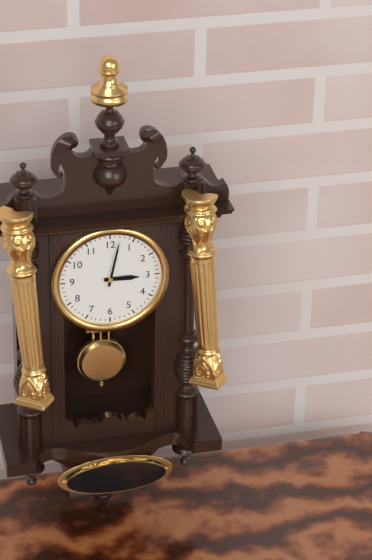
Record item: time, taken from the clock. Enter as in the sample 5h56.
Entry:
3h02
